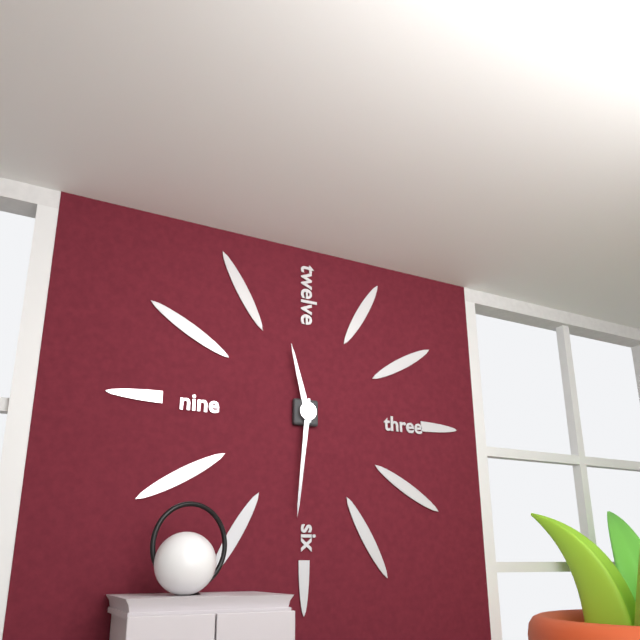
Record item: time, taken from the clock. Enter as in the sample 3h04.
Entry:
11h31
